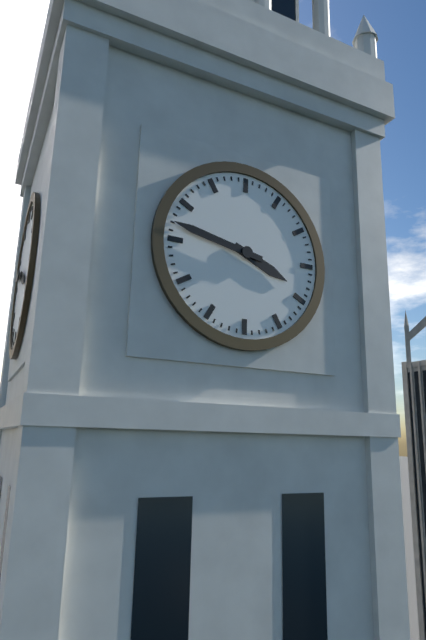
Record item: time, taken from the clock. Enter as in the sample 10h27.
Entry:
3h47
